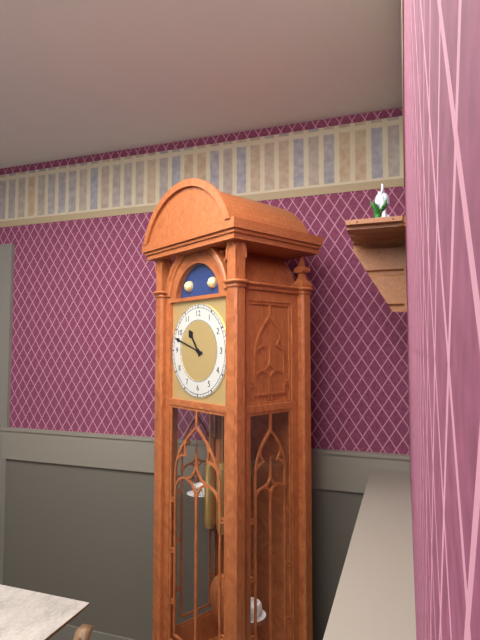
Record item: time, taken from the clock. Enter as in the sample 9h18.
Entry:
10h48
